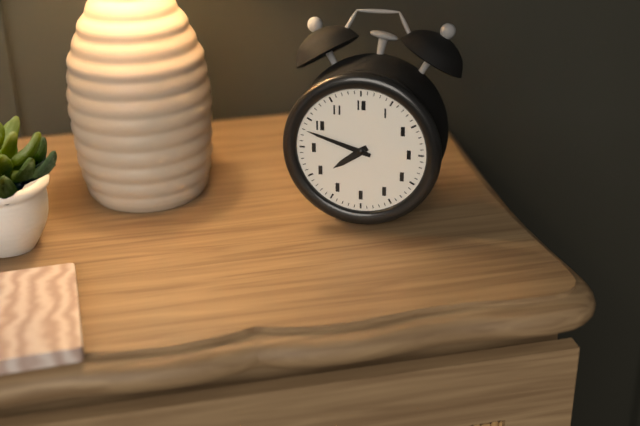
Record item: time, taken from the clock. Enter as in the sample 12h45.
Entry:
7h48
